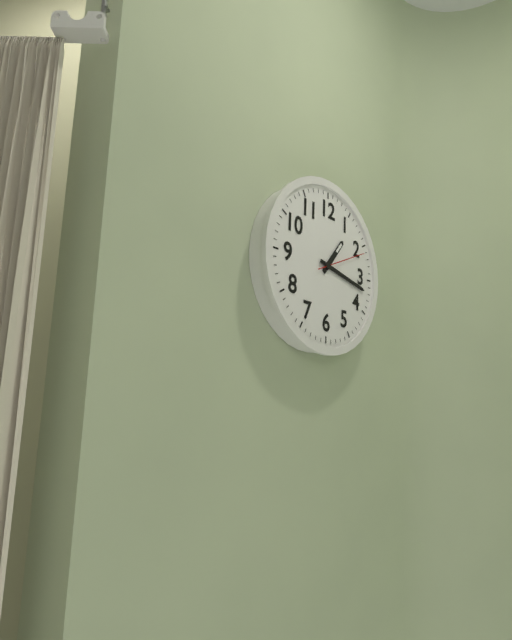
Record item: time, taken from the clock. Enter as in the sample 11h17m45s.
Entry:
1h17m11s
